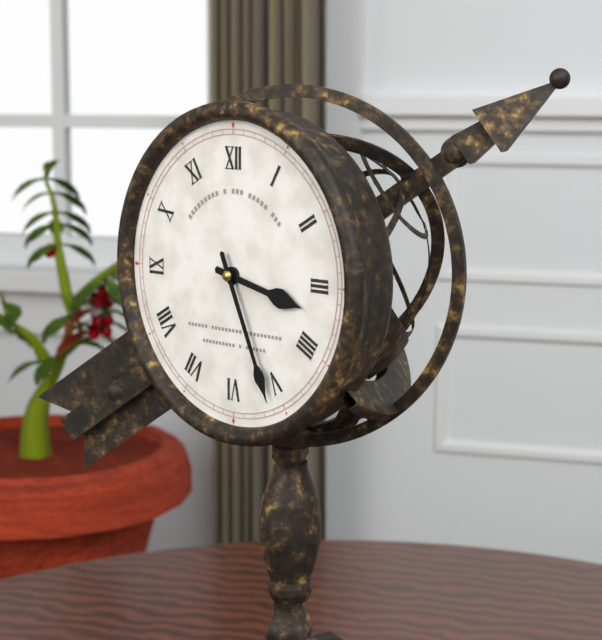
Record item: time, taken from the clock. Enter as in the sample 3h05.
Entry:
3h26
